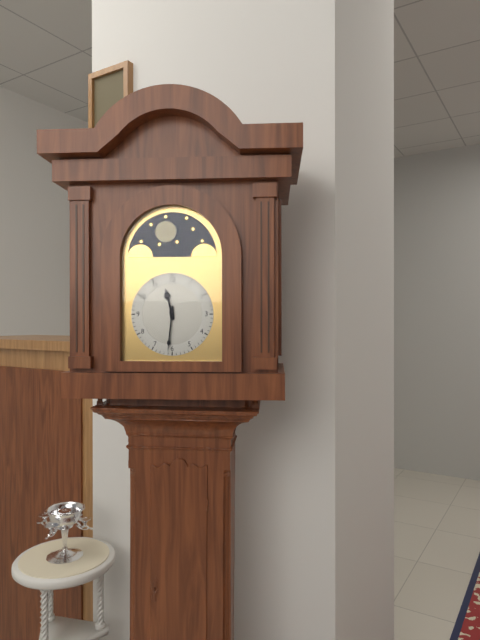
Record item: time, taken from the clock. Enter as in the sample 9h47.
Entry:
11h31
